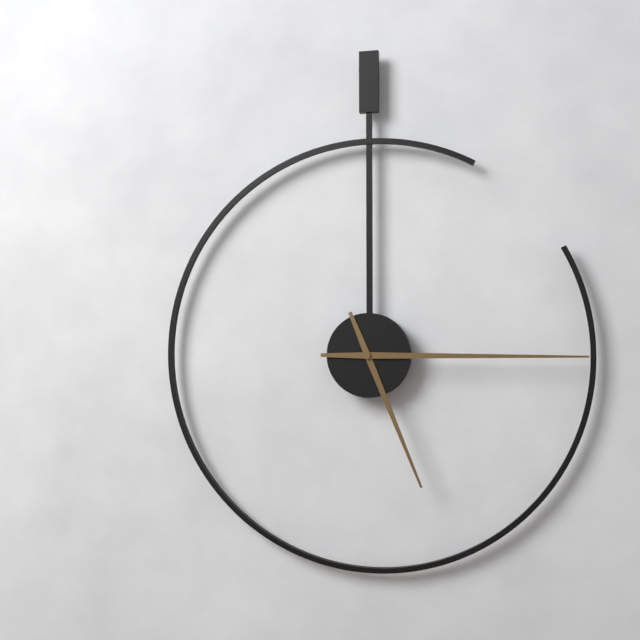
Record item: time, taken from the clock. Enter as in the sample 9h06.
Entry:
5h15
